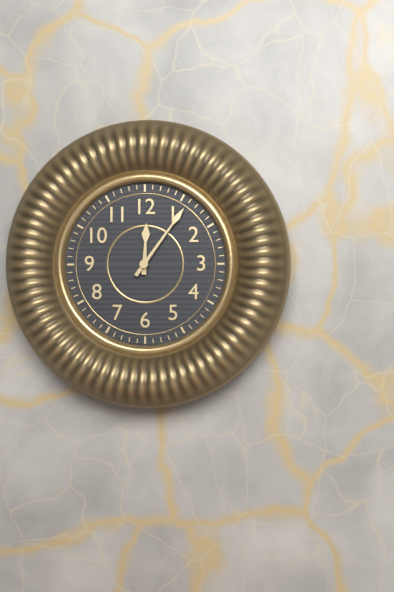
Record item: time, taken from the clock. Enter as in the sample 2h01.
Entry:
12h06
